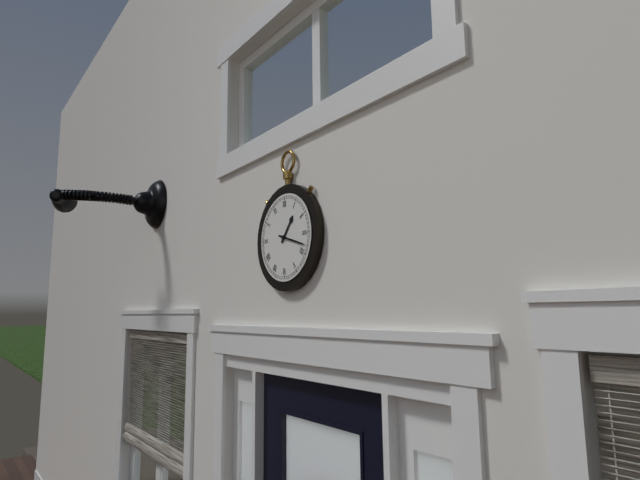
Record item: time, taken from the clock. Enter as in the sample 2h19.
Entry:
1h18
